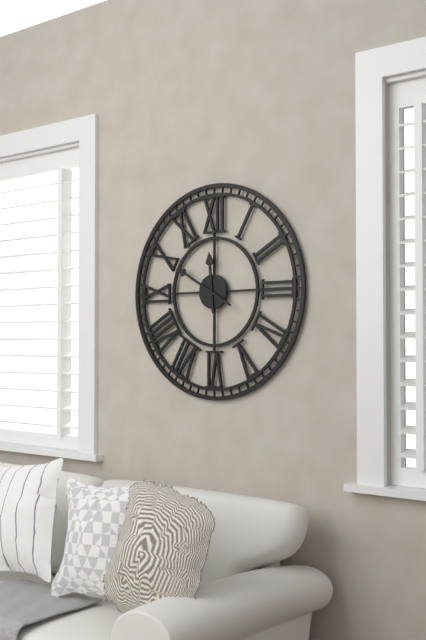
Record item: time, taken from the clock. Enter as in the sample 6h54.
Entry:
11h50
